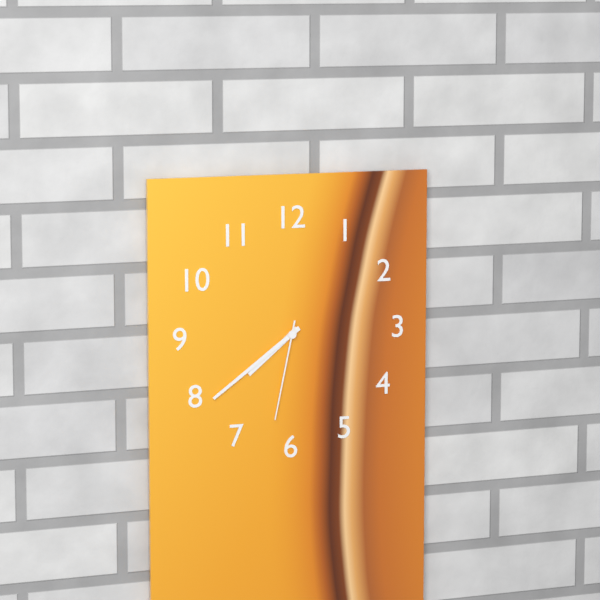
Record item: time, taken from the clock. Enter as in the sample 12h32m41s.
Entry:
7h39m32s
